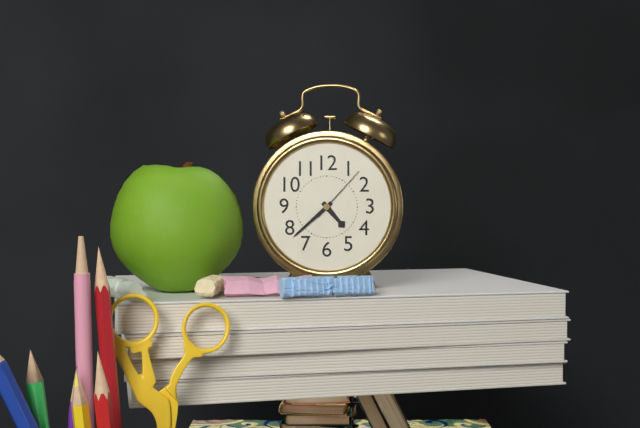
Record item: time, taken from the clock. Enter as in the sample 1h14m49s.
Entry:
4h38m07s
